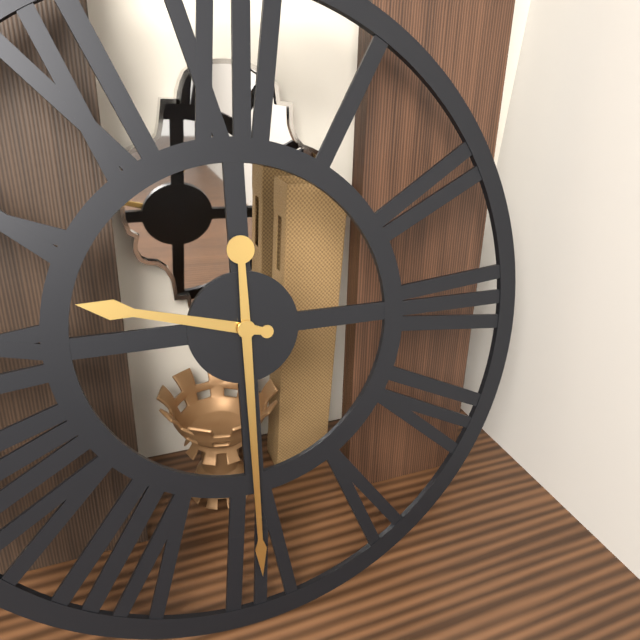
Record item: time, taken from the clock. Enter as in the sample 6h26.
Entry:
9h30
